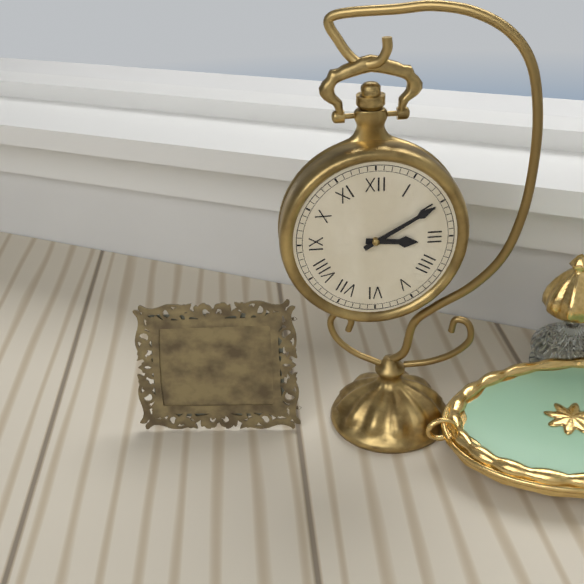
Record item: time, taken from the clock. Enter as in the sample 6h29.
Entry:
3h10
